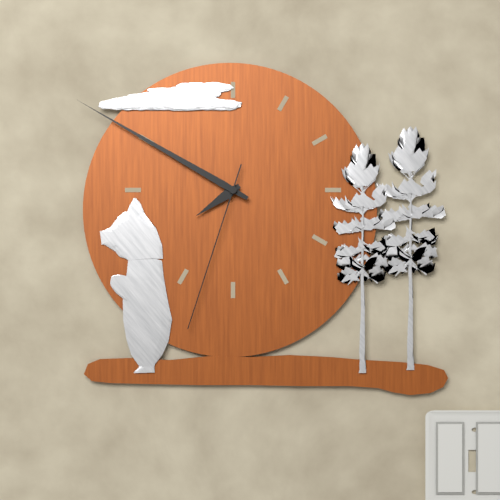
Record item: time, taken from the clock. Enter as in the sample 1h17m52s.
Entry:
7h50m33s
